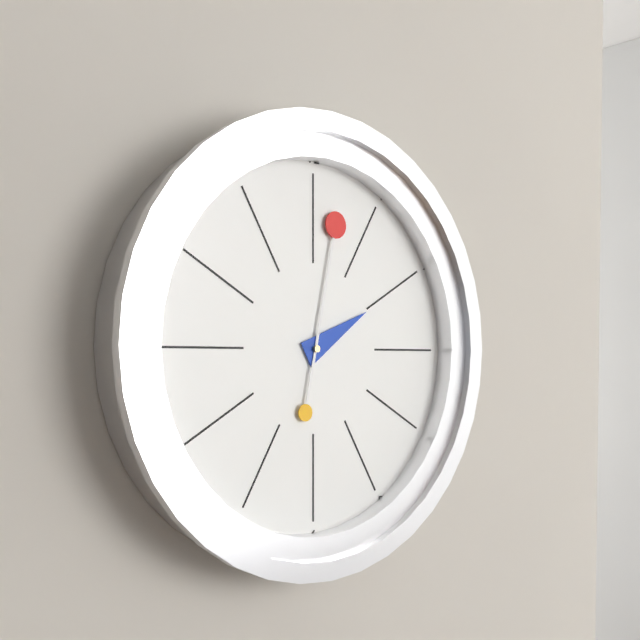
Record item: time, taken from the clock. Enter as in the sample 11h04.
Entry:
2h02
